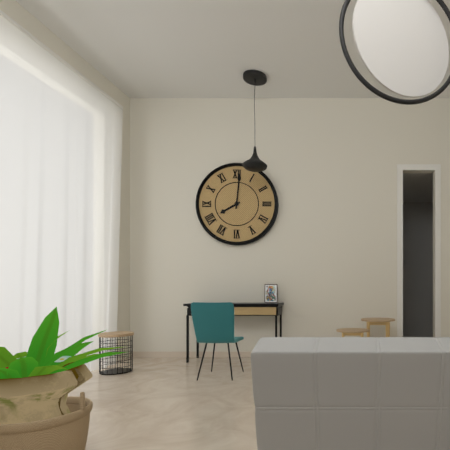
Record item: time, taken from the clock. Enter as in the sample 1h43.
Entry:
8h01
